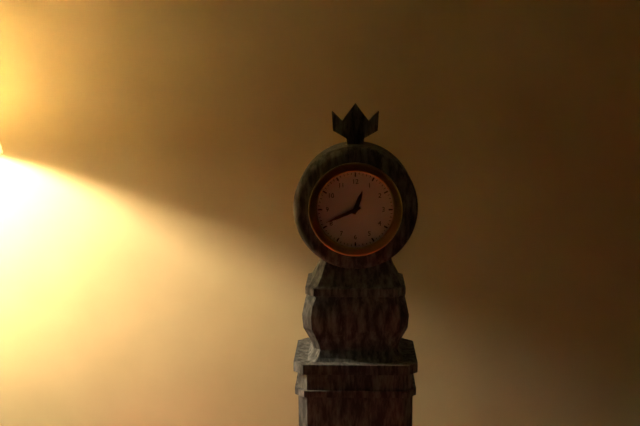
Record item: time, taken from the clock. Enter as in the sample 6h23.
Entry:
12h41
